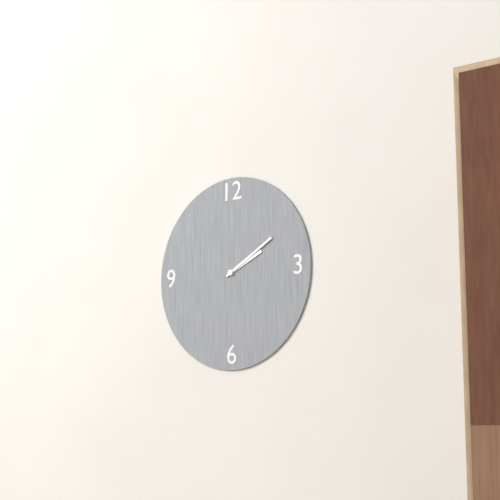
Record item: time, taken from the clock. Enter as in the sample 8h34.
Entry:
2h10
